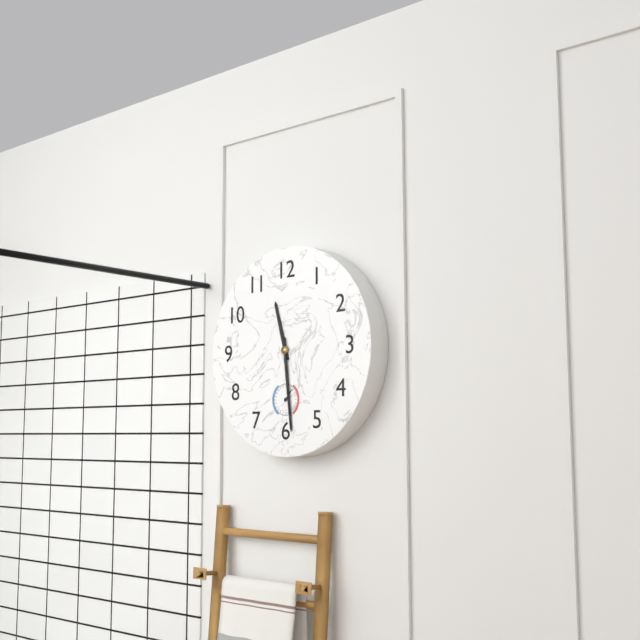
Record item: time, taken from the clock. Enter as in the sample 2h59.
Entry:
11h29
